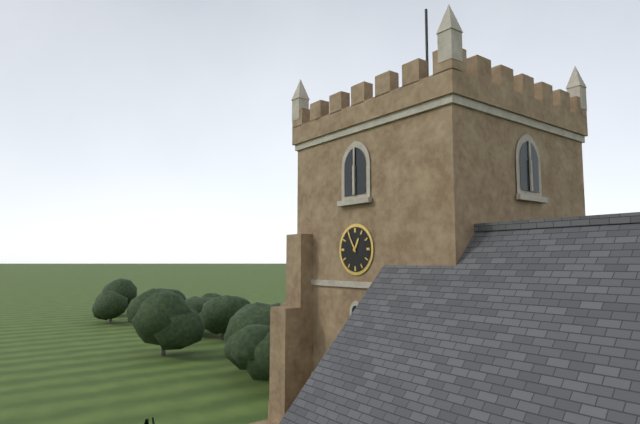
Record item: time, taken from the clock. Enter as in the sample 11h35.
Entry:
12h55
